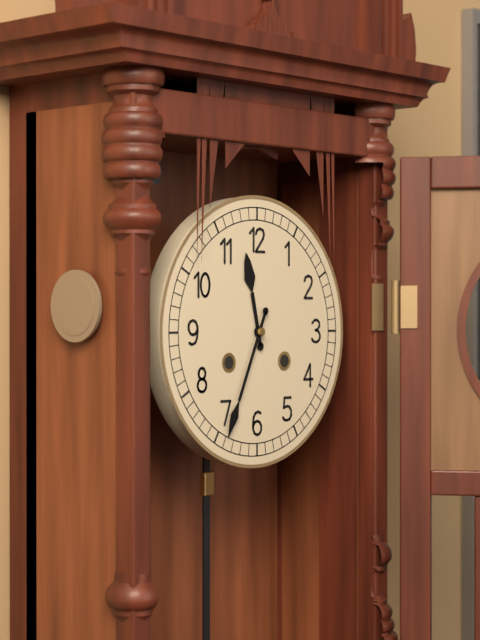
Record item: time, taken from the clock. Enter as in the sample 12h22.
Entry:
11h34
